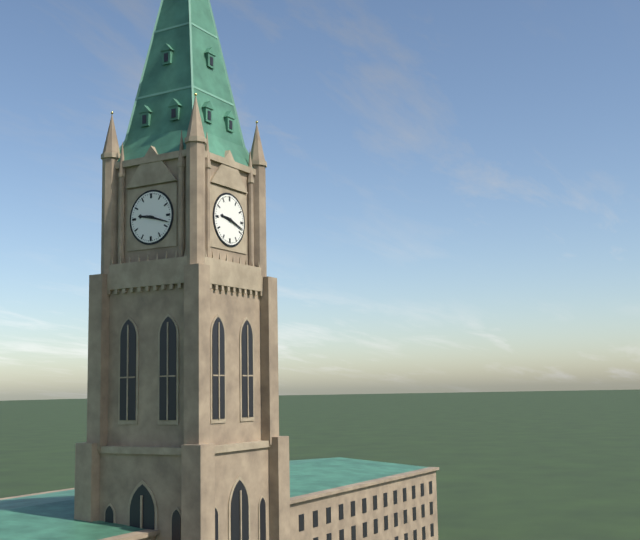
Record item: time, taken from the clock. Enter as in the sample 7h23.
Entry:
9h18
